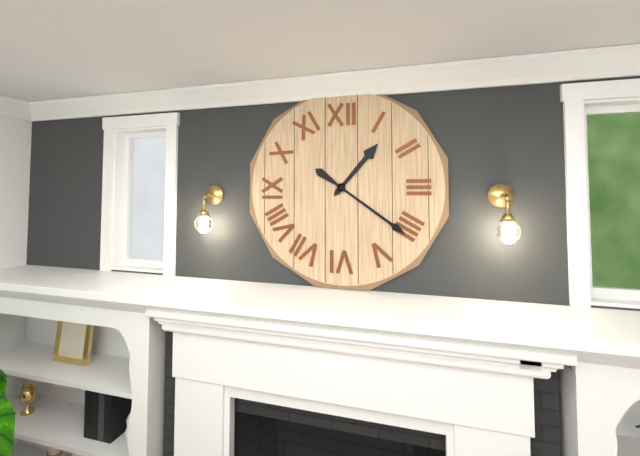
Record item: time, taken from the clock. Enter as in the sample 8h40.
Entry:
1h21
